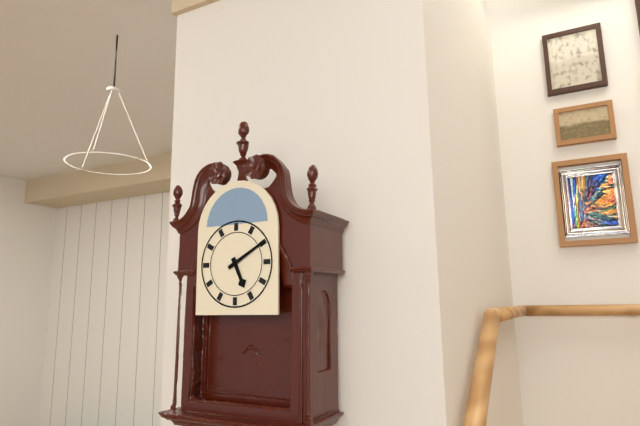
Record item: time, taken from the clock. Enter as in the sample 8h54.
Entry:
5h10
